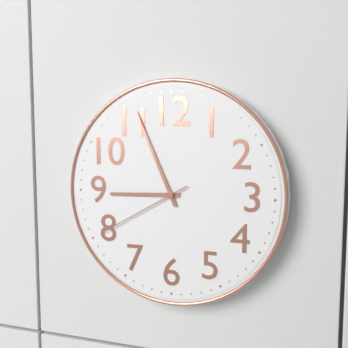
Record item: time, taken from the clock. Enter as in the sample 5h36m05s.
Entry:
8h56m40s
